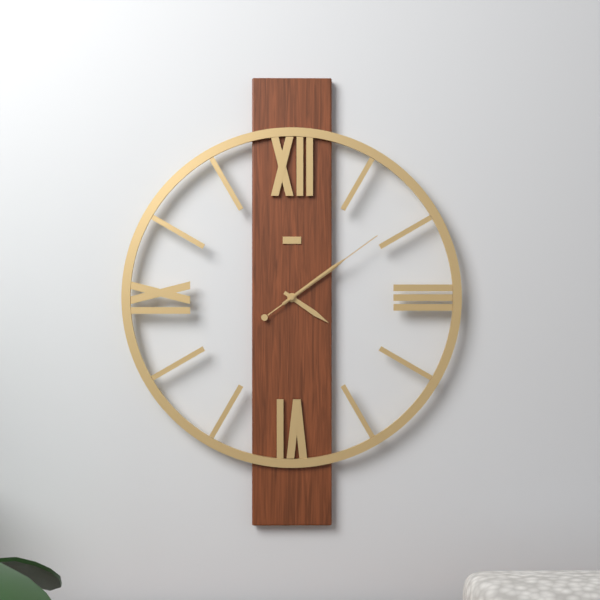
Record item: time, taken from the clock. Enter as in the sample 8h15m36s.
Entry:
4h09m09s
